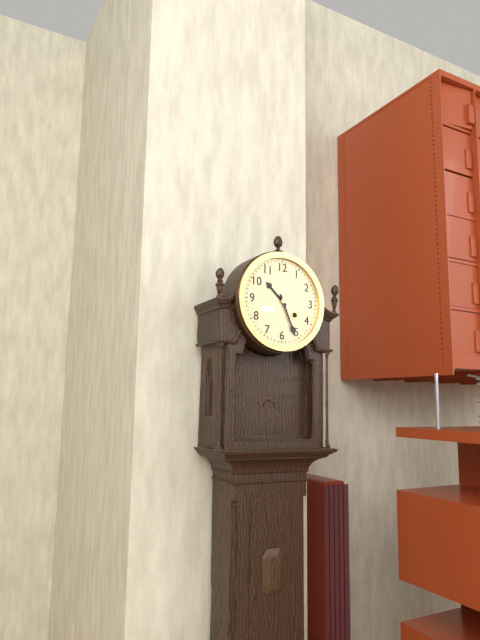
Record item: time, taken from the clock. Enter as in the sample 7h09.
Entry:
10h26
